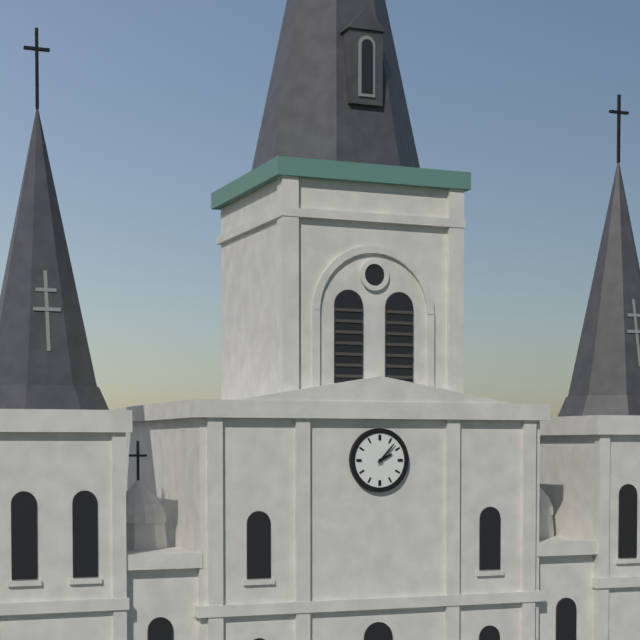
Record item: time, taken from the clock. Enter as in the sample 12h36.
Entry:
2h07
